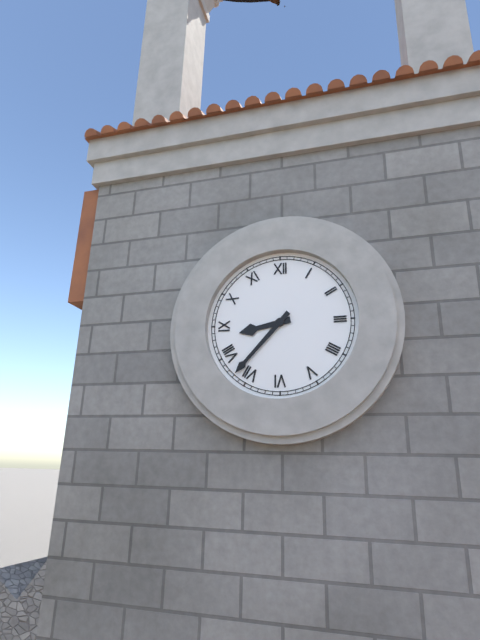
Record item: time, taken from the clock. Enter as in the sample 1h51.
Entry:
8h37
